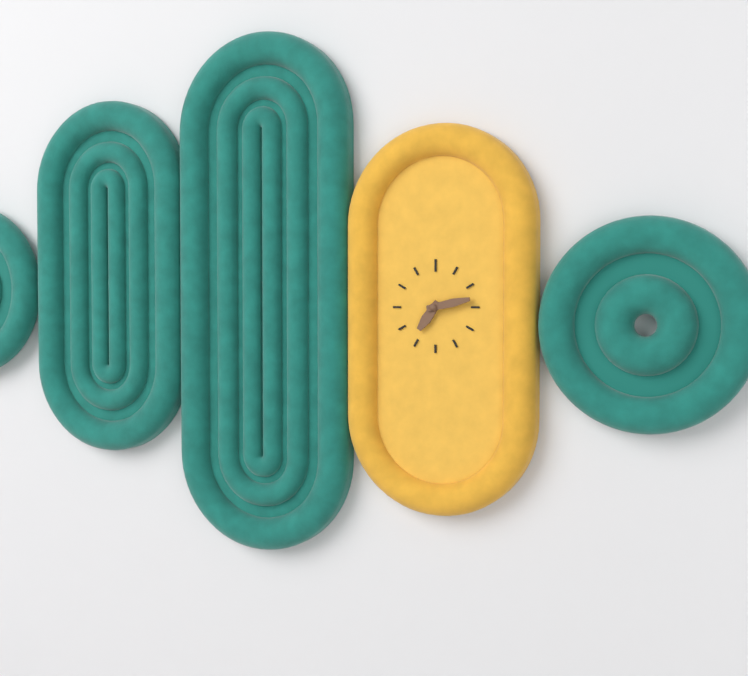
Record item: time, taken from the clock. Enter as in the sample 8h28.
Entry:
7h13
